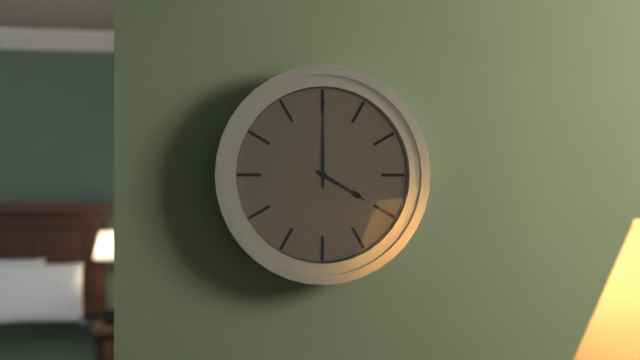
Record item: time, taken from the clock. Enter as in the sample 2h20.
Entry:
4h00
